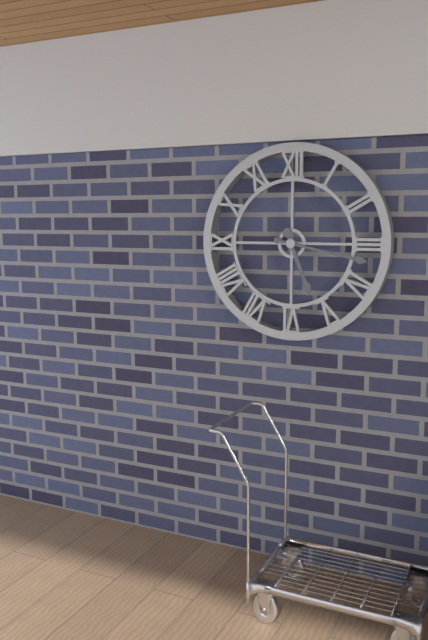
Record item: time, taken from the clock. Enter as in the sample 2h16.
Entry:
5h17
